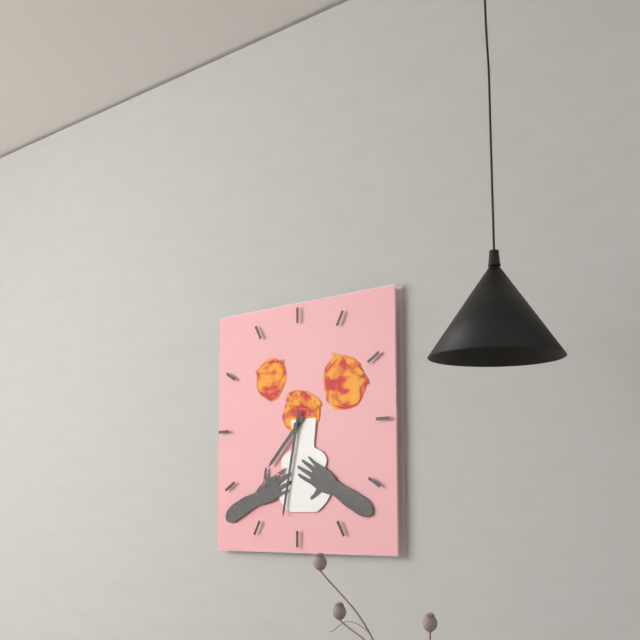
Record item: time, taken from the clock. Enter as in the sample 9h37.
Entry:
7h32
